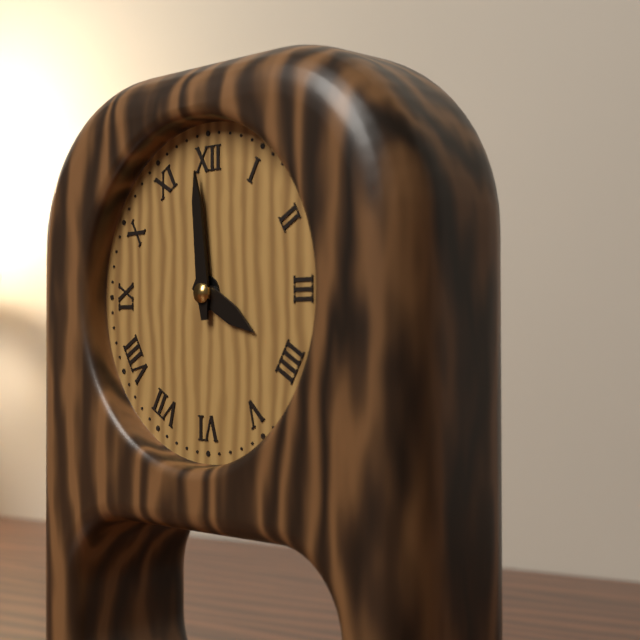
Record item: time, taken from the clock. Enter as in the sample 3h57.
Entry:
3h59
